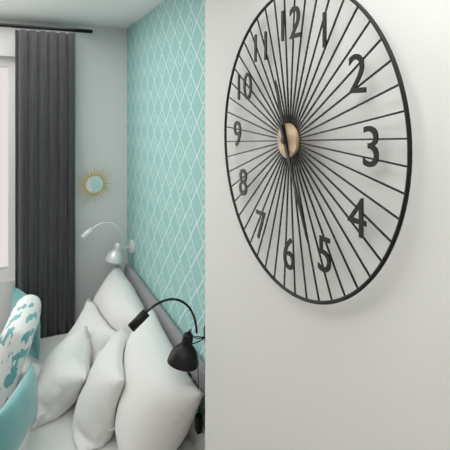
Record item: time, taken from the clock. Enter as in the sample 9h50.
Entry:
11h26
